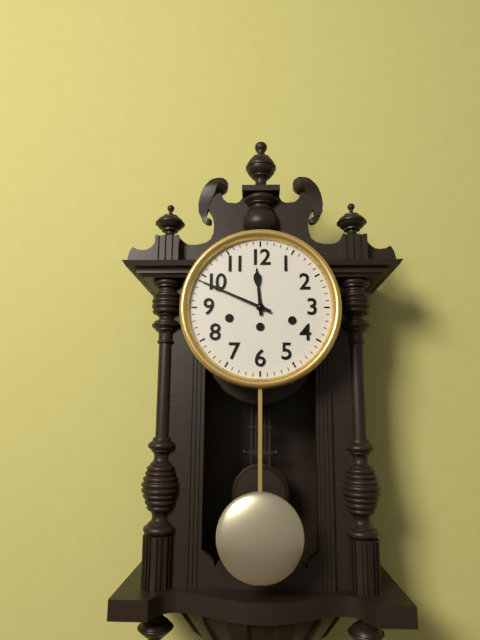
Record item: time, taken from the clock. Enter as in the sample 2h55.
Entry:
11h49
